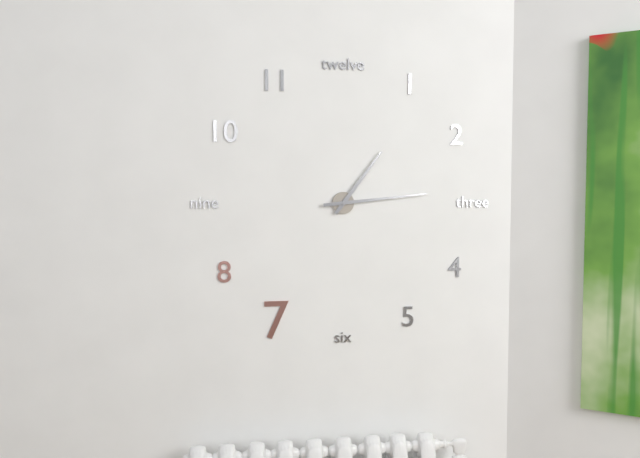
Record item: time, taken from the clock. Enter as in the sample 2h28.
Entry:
1h14
